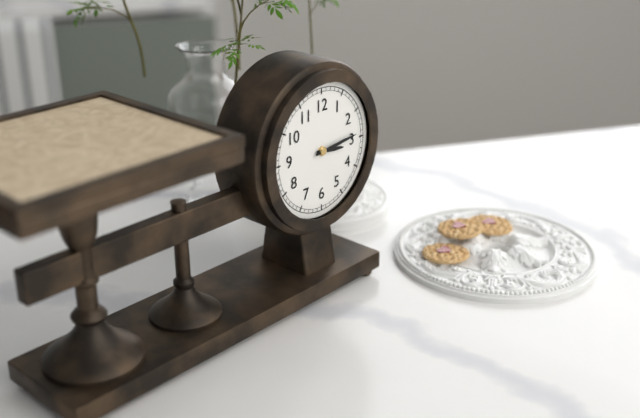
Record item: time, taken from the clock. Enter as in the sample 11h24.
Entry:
3h14
